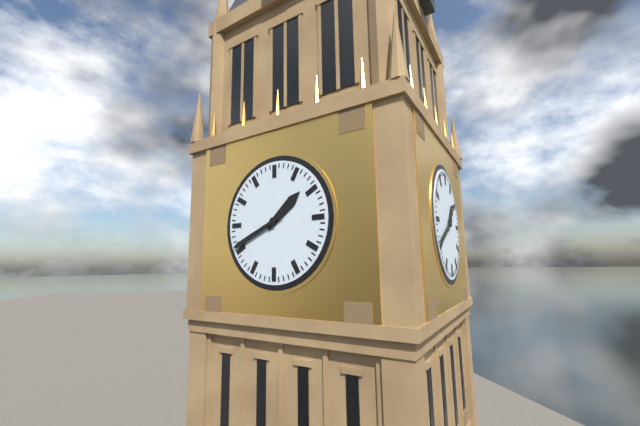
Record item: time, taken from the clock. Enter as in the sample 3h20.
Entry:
1h41
